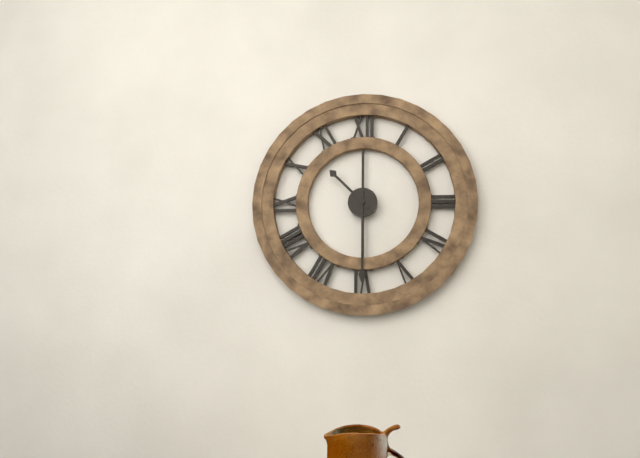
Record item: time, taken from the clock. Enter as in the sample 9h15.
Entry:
10h30
